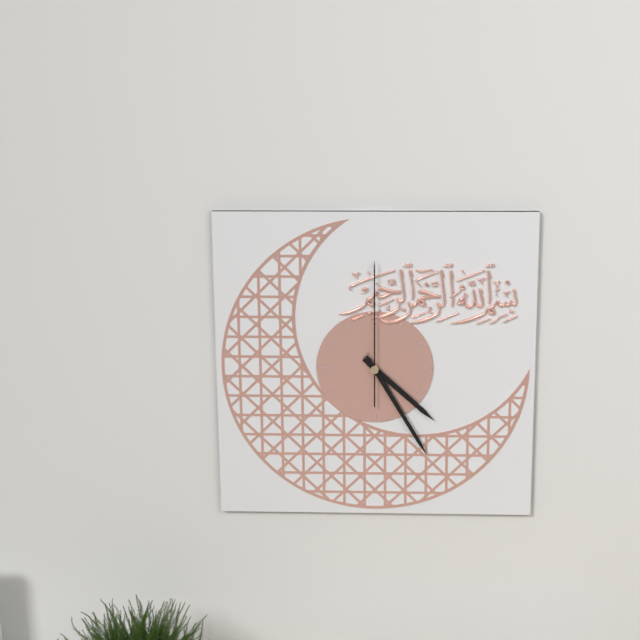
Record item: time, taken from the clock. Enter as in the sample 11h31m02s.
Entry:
4h25m00s
